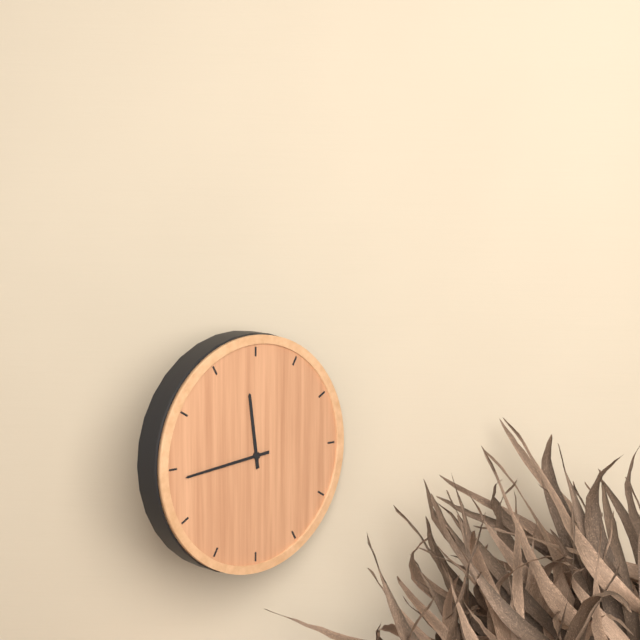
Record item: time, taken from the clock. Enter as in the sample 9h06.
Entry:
11h44
